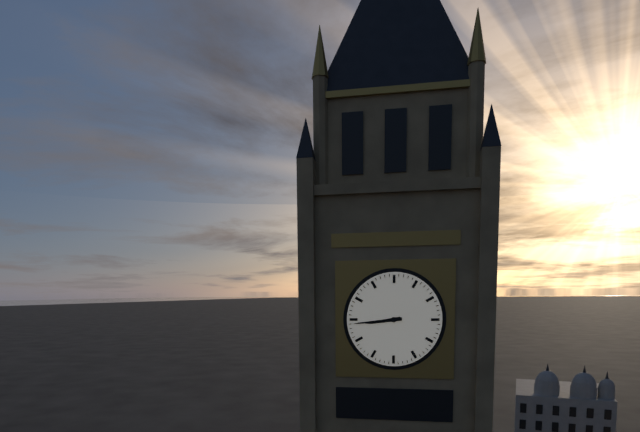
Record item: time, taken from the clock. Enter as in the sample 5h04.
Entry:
8h44
